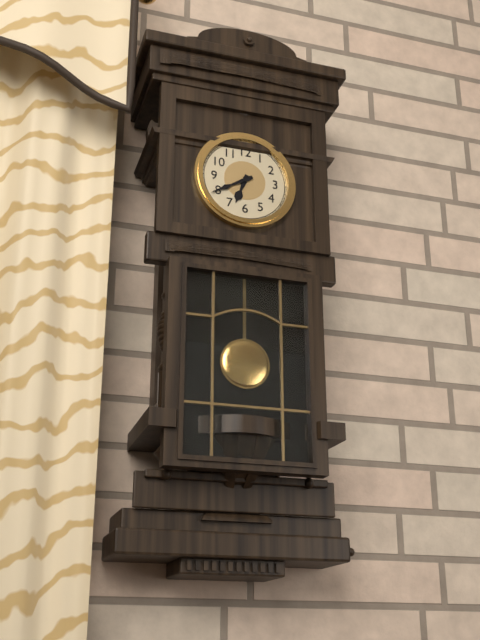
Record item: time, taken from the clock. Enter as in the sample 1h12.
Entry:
6h40
